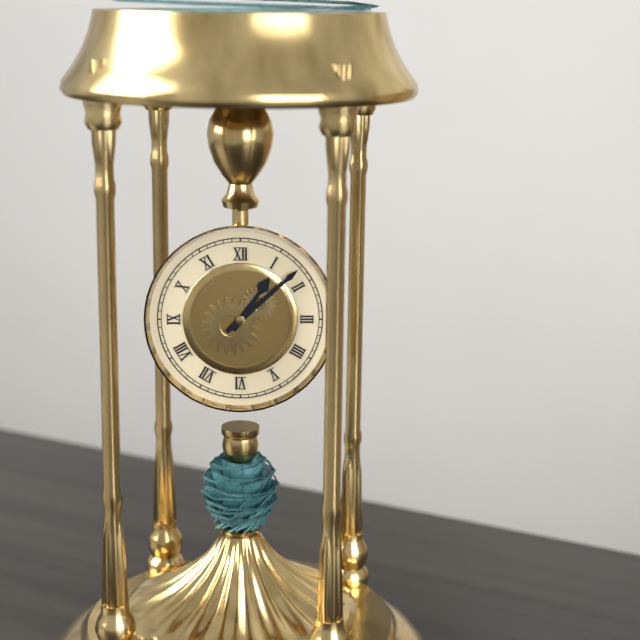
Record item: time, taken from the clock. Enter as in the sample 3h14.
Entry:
1h08
